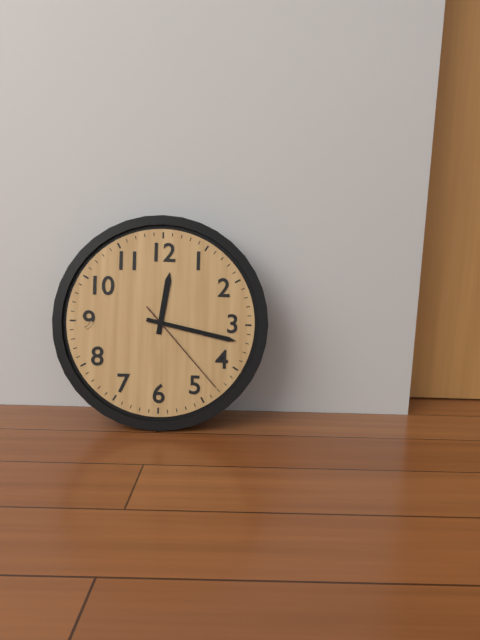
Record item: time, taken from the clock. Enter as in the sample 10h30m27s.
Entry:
12h17m23s
